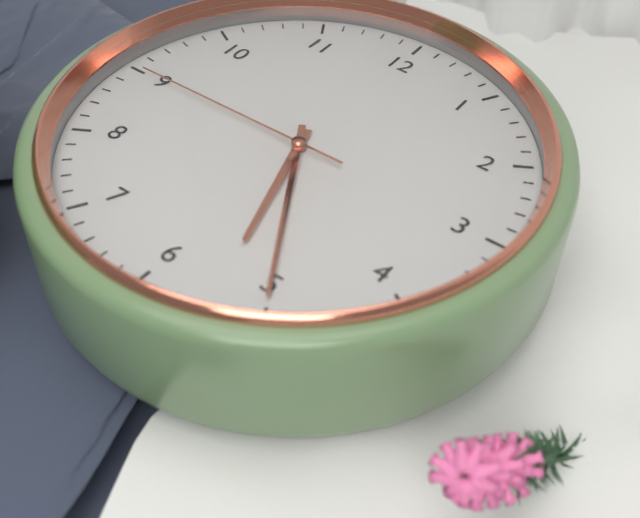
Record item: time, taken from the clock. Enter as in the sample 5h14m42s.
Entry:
5h25m45s
